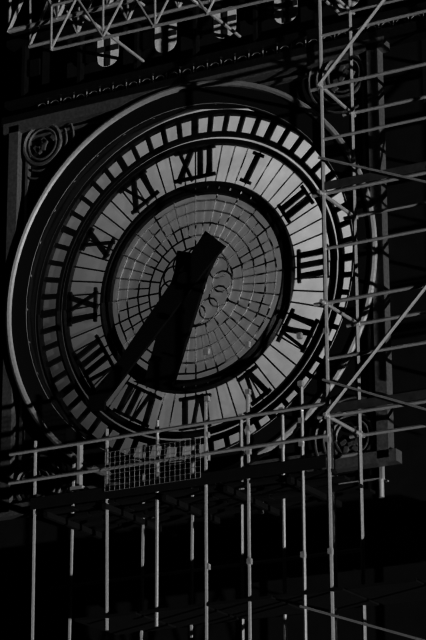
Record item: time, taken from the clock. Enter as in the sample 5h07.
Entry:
6h37
